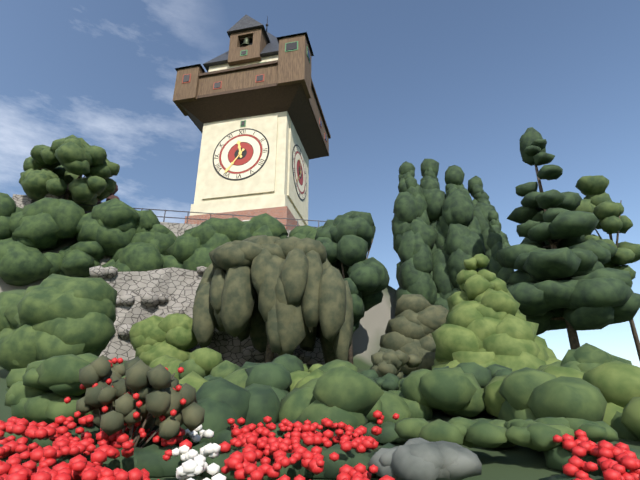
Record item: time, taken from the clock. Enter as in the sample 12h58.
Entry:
11h36
